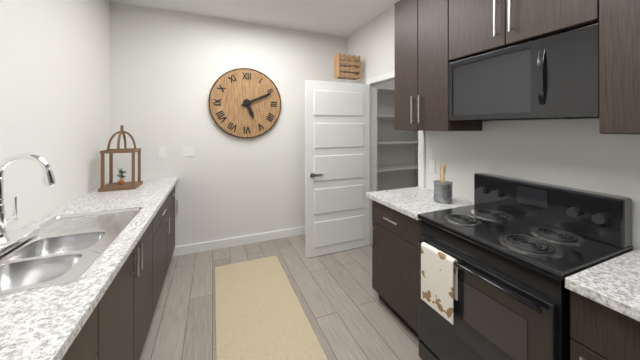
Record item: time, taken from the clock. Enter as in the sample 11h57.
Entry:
5h11
